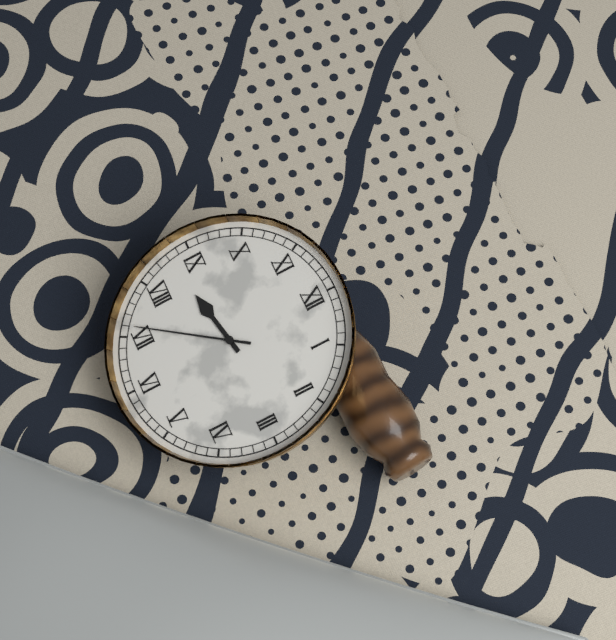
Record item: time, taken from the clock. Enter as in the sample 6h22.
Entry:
8h36
